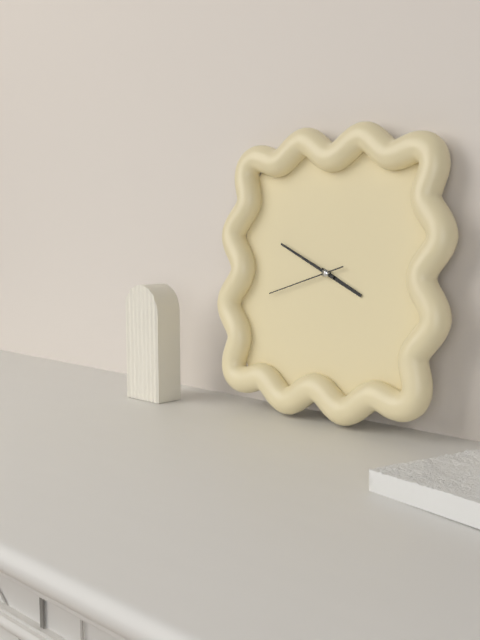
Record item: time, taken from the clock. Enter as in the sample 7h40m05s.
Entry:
3h49m42s
